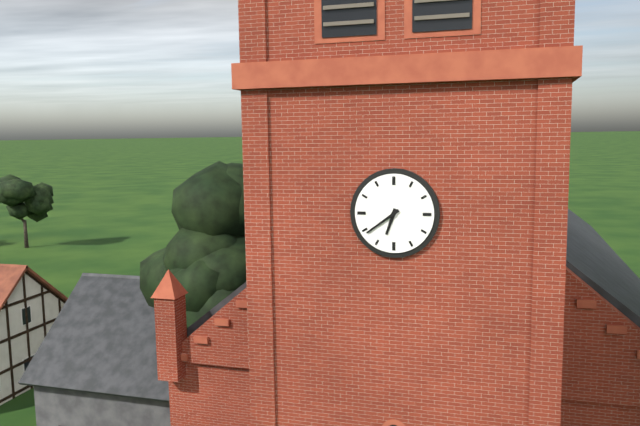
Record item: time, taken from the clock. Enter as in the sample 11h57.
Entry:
6h39
